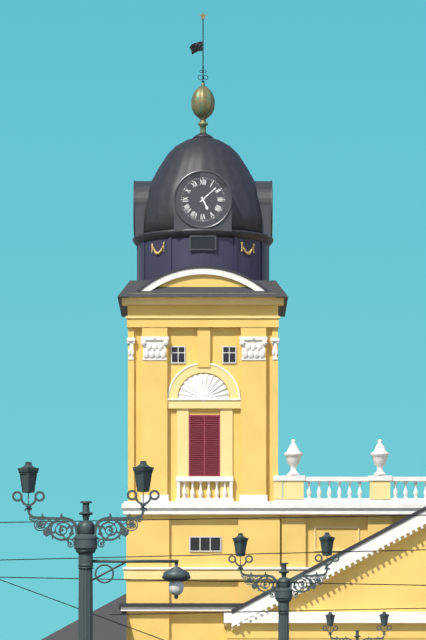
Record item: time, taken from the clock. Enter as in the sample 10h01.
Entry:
5h08
